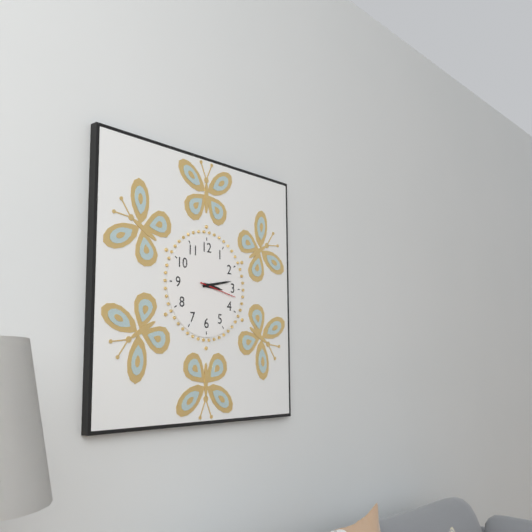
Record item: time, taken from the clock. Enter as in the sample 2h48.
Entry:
3h13
